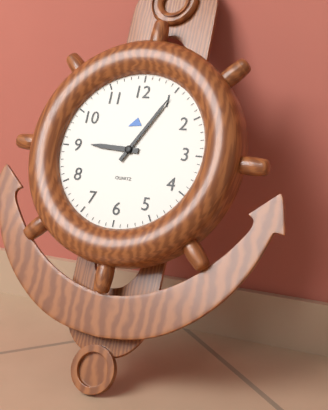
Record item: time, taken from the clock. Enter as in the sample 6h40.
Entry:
9h05
